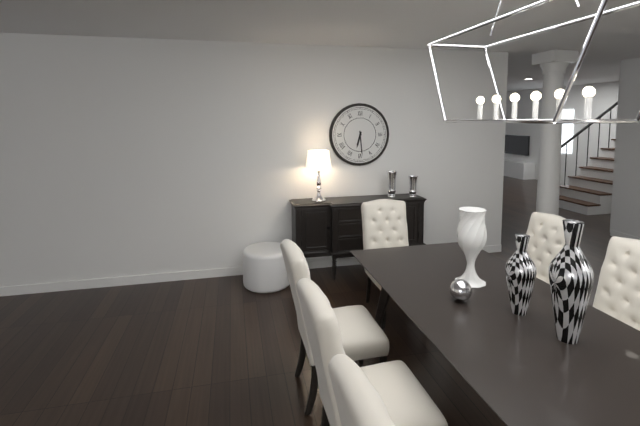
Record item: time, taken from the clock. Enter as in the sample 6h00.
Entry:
6h29
